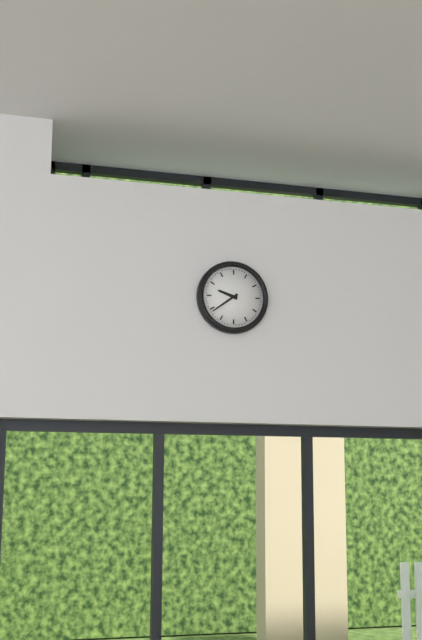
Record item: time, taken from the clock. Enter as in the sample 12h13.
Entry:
9h39
